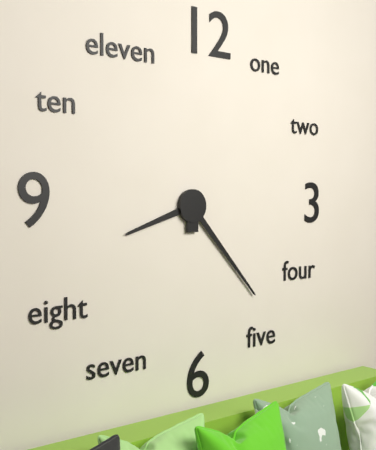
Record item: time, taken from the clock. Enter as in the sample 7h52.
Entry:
8h23
